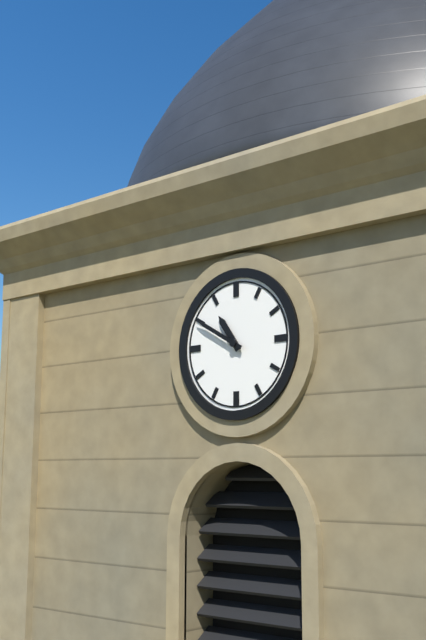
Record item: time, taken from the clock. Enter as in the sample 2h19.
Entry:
10h50
